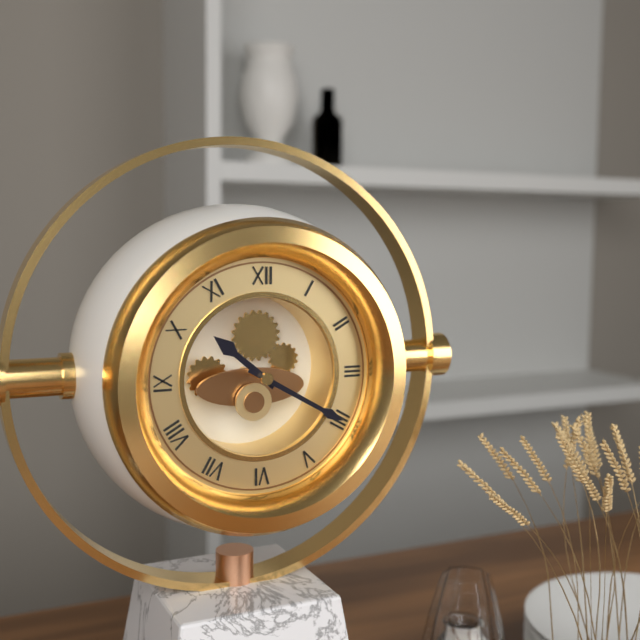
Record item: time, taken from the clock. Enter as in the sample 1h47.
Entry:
10h20
